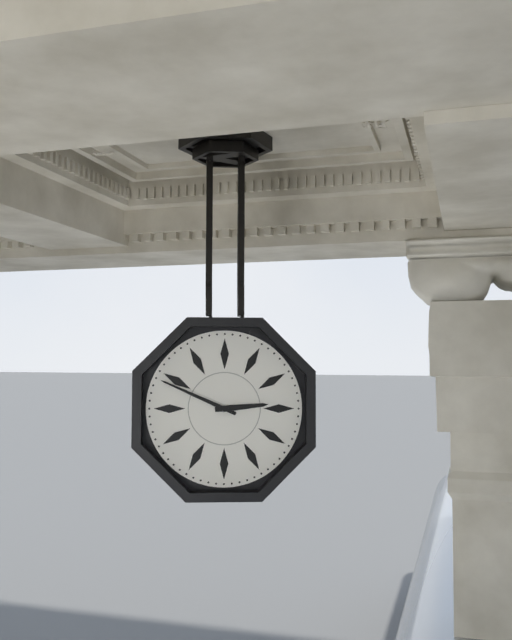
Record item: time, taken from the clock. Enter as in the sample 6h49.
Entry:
2h49
